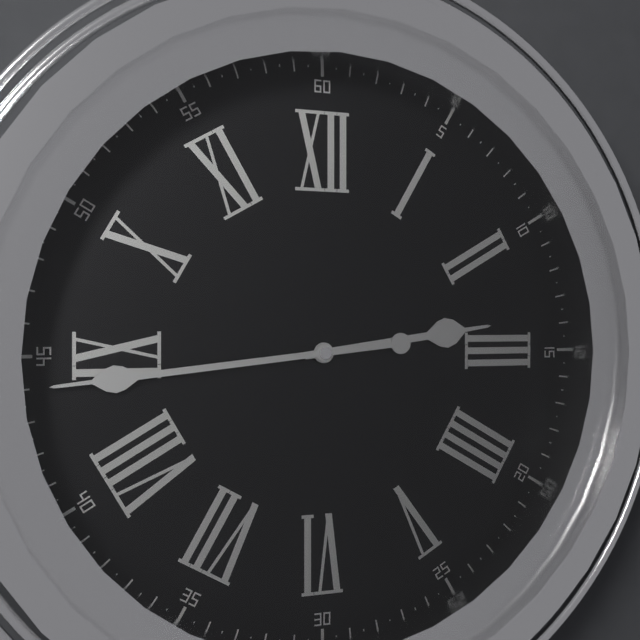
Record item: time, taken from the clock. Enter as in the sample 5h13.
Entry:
2h44
